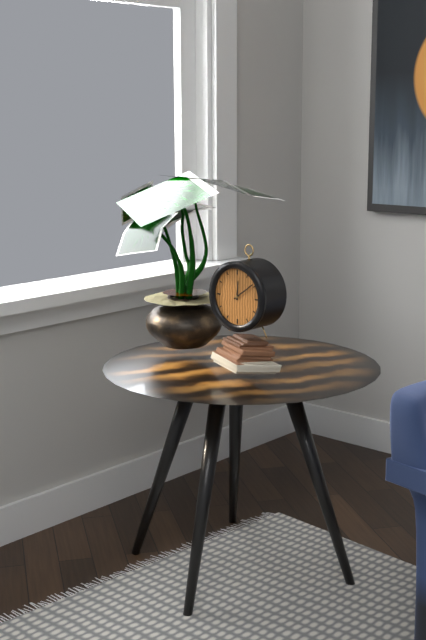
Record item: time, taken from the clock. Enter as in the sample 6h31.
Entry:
12h09
